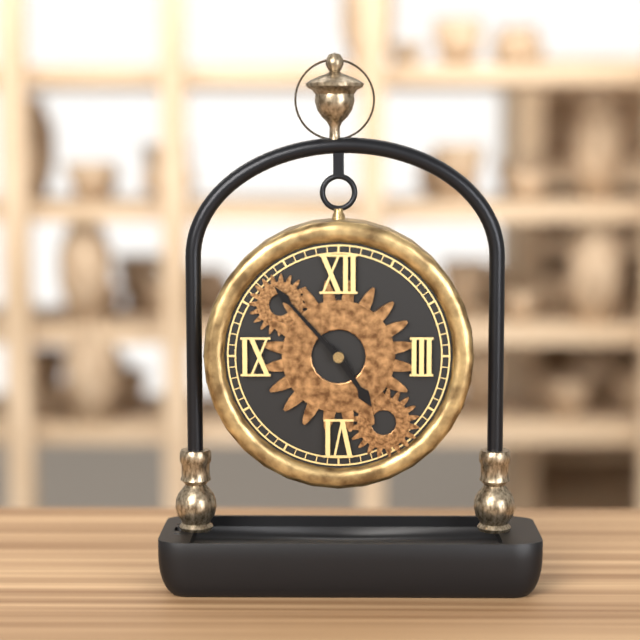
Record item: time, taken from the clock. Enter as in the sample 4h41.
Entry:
4h53
